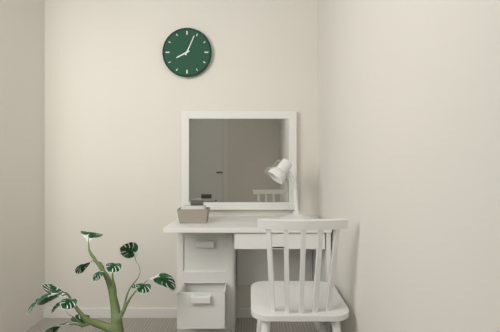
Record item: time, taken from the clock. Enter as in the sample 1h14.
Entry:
8h04
